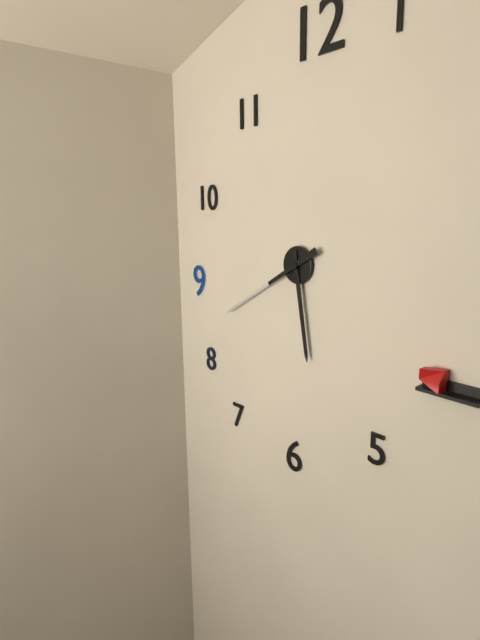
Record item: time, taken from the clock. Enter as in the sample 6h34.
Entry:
5h40
